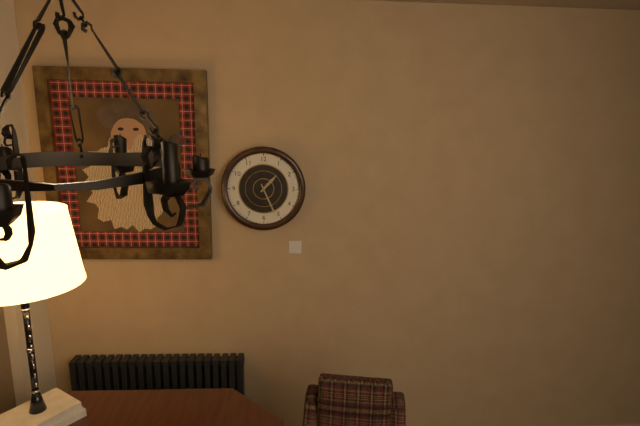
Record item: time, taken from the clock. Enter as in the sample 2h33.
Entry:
1h26
